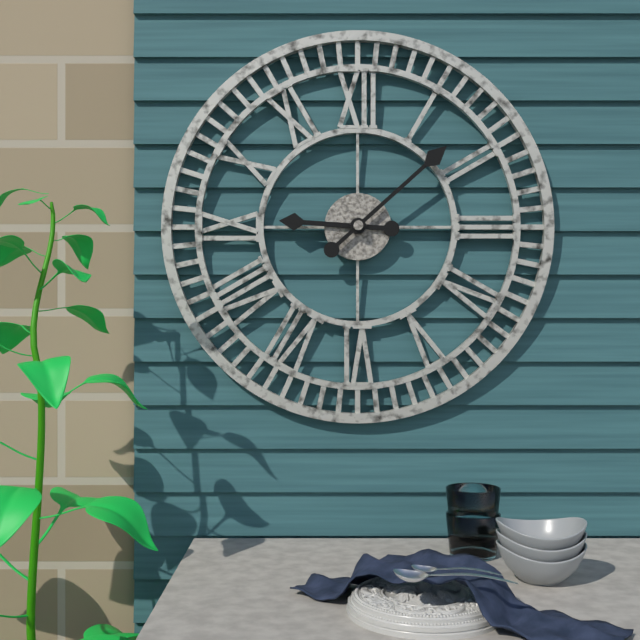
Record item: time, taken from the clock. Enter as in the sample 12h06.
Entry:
9h08
